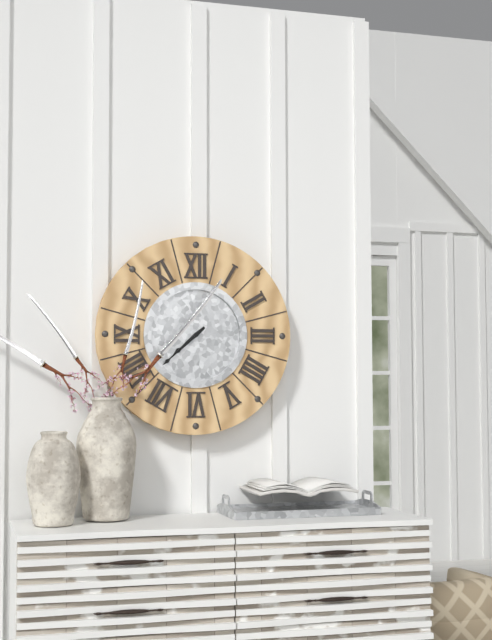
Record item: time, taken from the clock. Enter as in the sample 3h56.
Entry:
7h38
